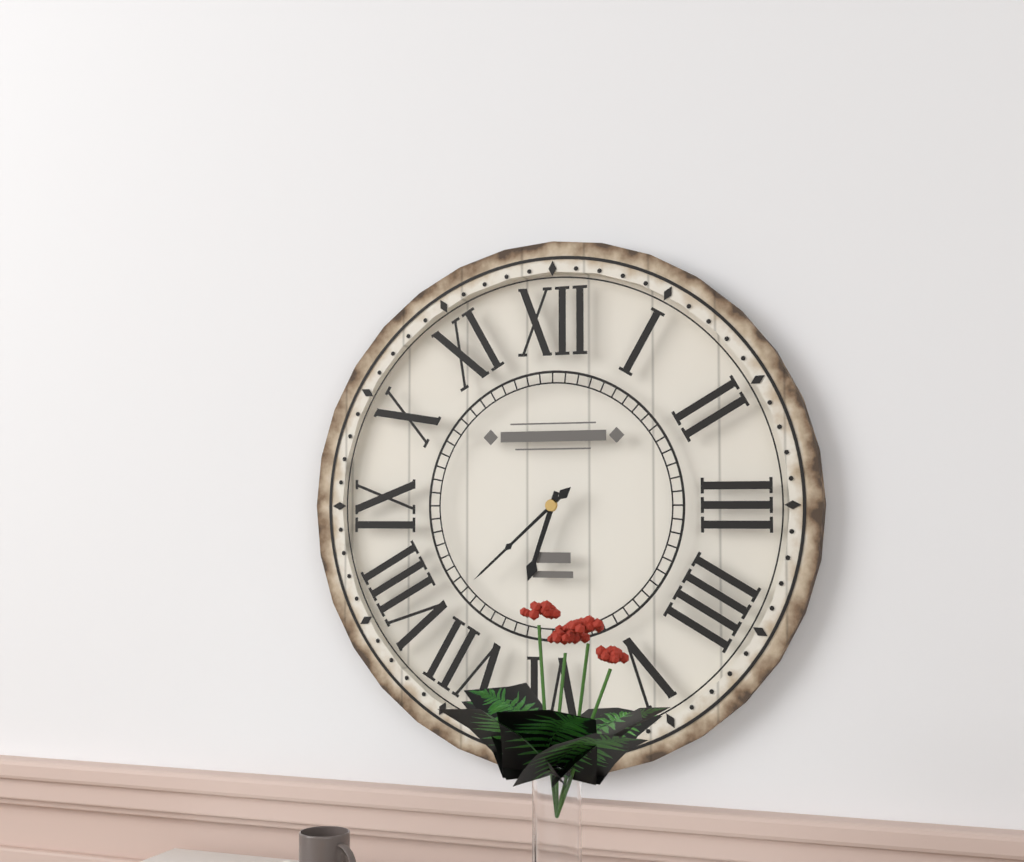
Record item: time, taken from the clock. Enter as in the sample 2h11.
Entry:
6h38
